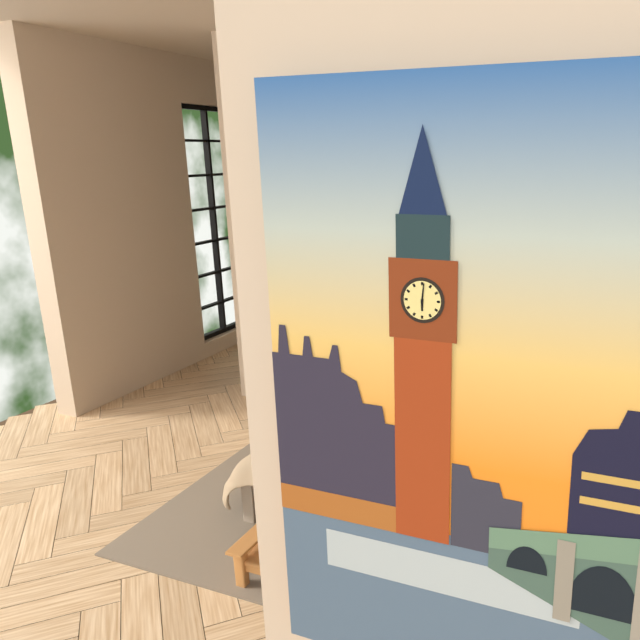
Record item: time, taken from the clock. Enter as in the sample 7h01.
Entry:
6h01
